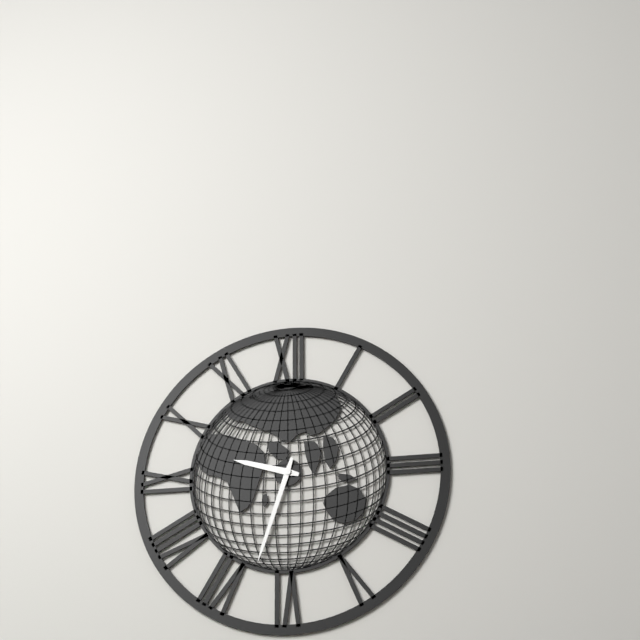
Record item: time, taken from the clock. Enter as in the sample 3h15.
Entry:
9h33
